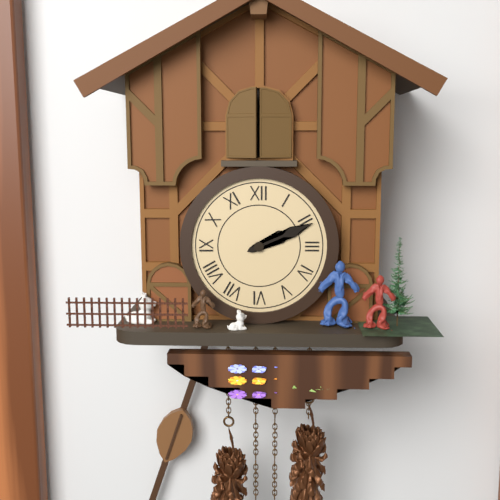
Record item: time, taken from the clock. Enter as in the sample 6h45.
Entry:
2h11
